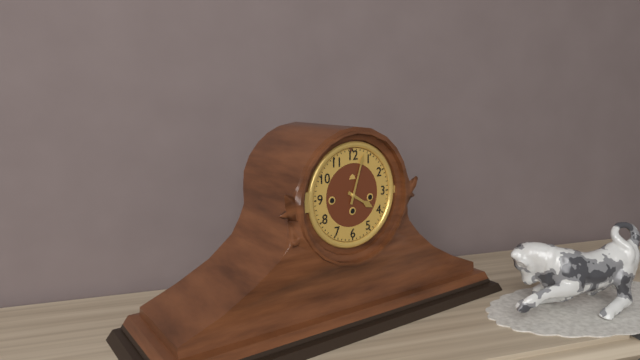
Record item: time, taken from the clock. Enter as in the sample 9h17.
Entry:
4h03
